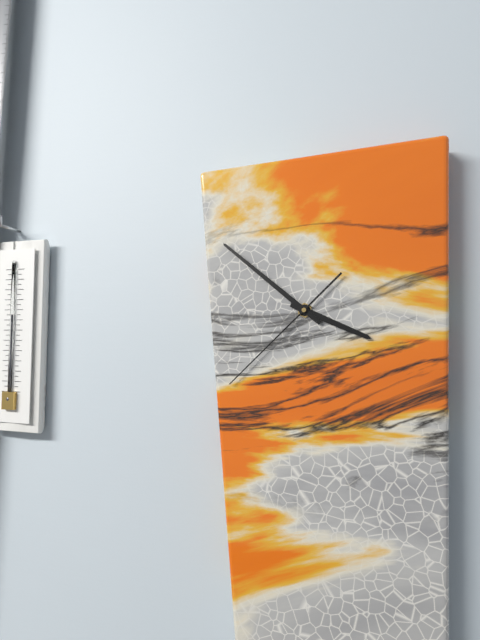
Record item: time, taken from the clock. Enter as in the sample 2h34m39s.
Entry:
3h52m38s
